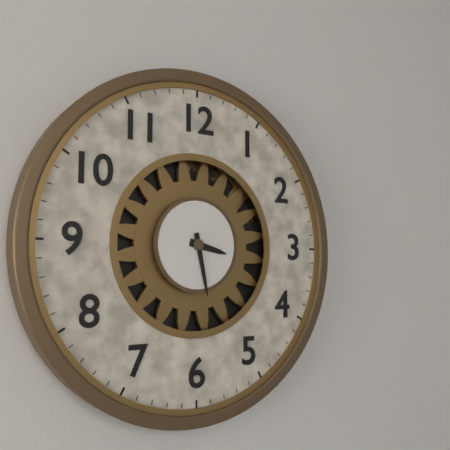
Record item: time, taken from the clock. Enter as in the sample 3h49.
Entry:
3h28
